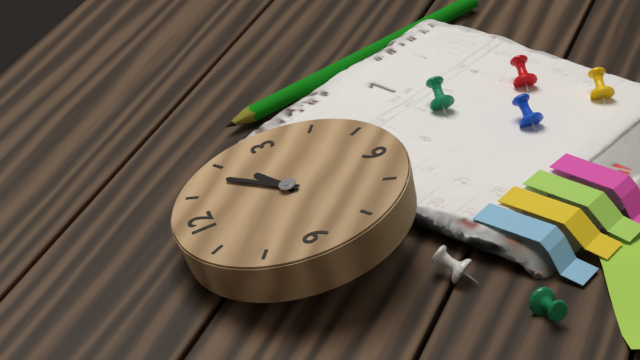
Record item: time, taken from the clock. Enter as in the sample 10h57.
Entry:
2h08
